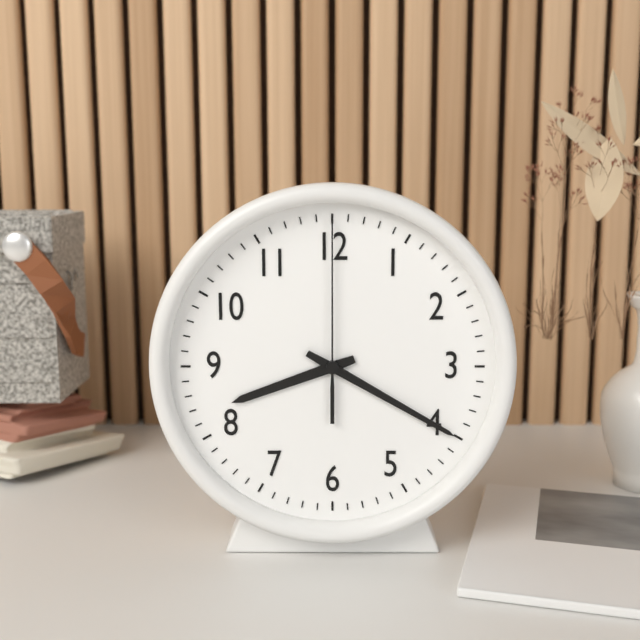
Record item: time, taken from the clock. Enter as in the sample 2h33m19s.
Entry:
8h20m00s
